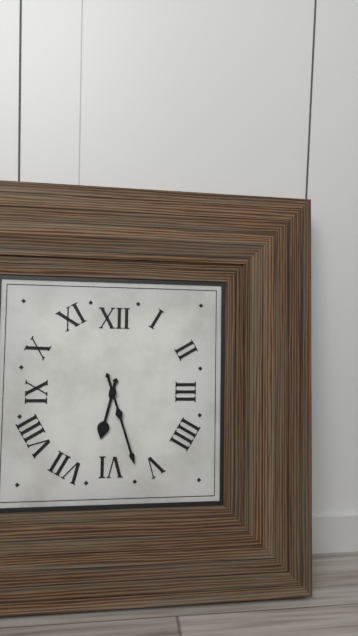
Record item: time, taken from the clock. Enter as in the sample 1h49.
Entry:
6h27
